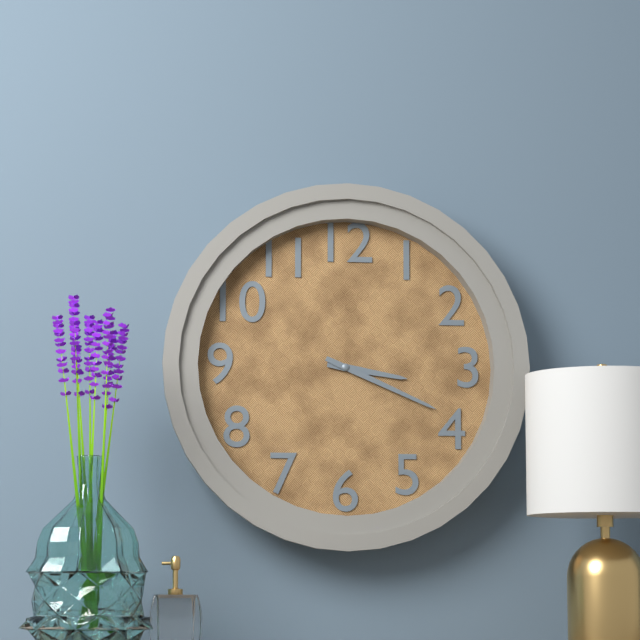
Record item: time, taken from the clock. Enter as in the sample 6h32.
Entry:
3h19
